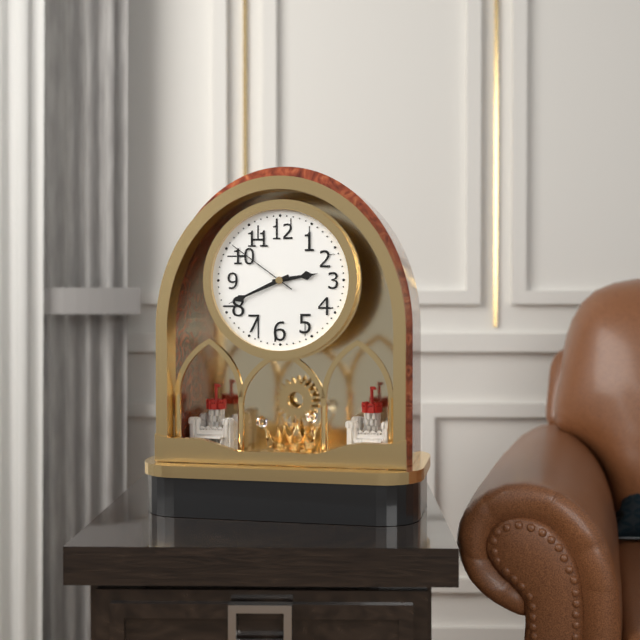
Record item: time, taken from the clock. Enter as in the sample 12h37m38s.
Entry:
2h41m51s
